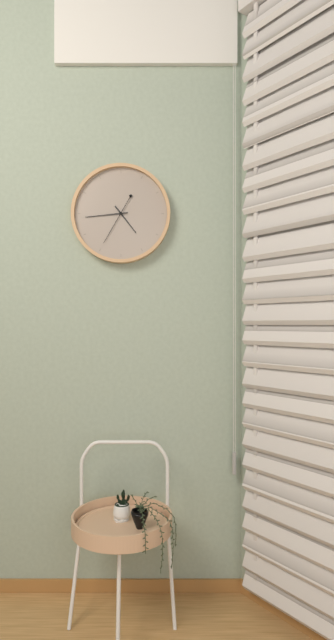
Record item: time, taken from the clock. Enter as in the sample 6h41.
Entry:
4h44
